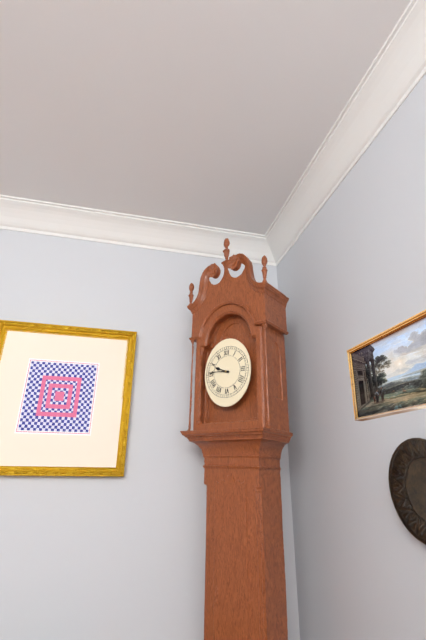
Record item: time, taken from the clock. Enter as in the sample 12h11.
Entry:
9h46
